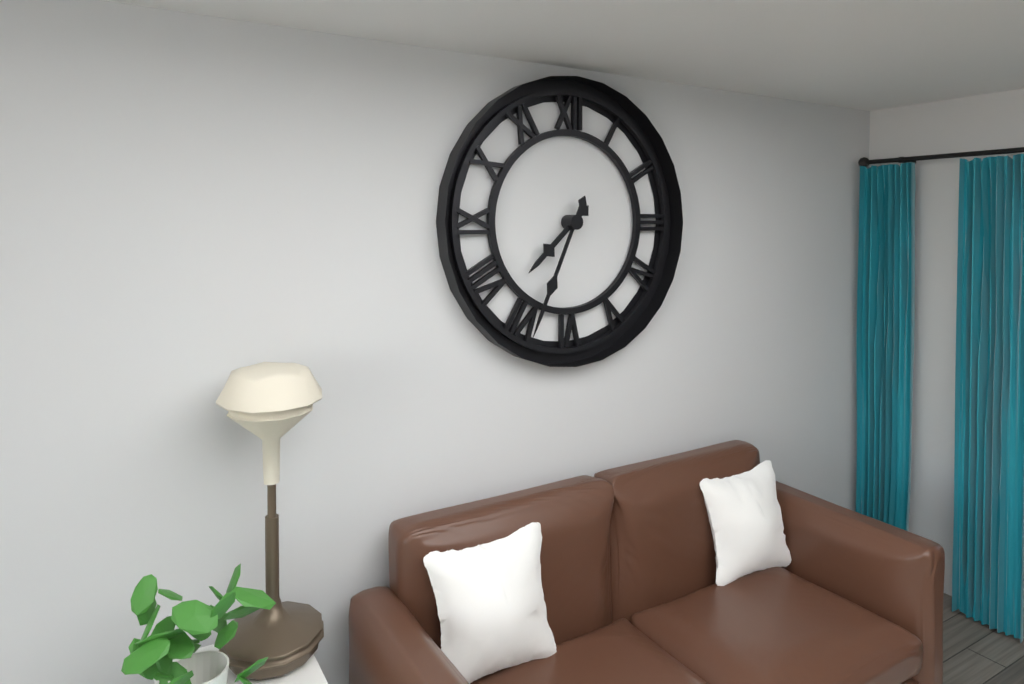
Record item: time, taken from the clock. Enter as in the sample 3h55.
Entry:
7h34
